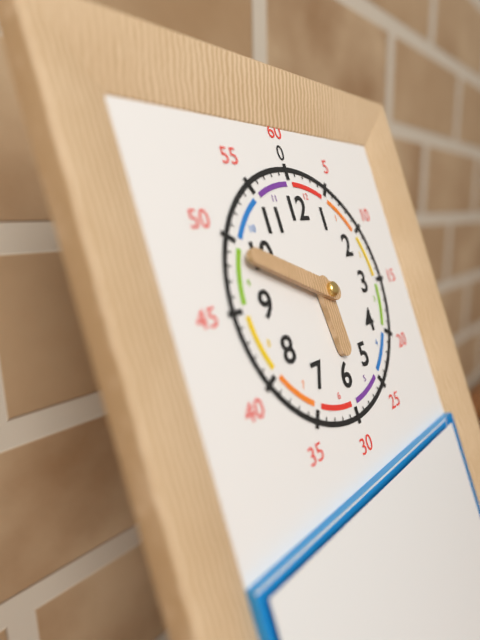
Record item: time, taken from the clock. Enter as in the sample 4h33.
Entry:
5h49
